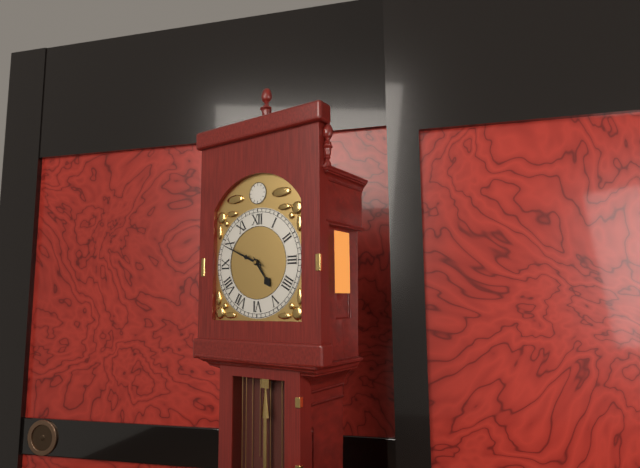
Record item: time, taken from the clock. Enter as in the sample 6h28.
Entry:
4h49
